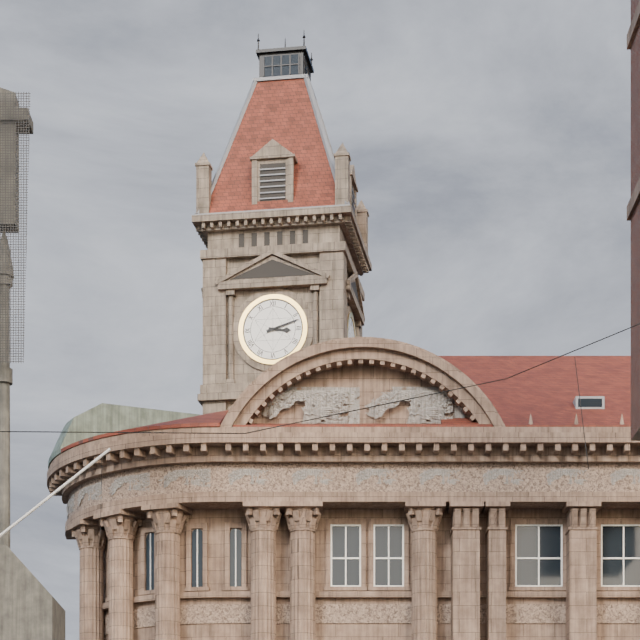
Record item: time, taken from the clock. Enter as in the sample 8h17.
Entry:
3h12
